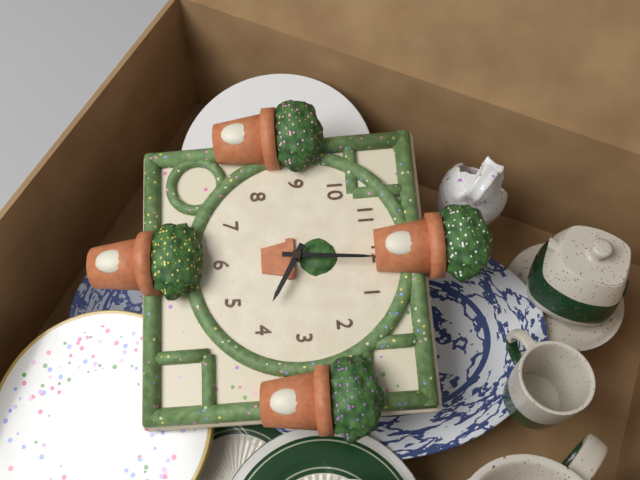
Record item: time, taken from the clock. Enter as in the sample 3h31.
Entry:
4h01
